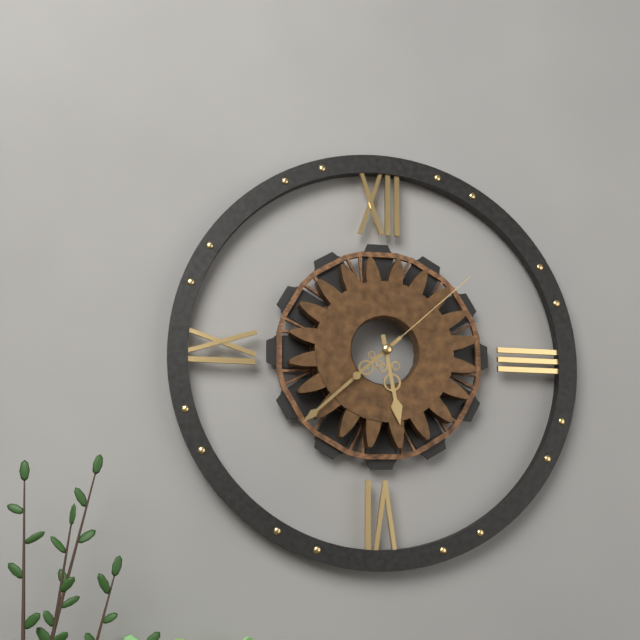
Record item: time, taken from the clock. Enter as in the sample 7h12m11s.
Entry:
5h38m08s
